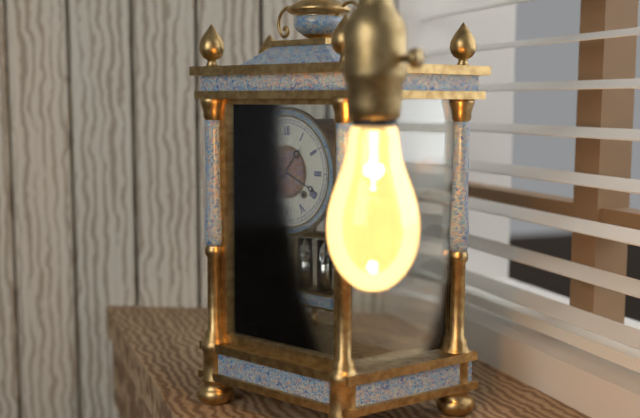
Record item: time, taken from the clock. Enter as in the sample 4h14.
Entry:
1h19
